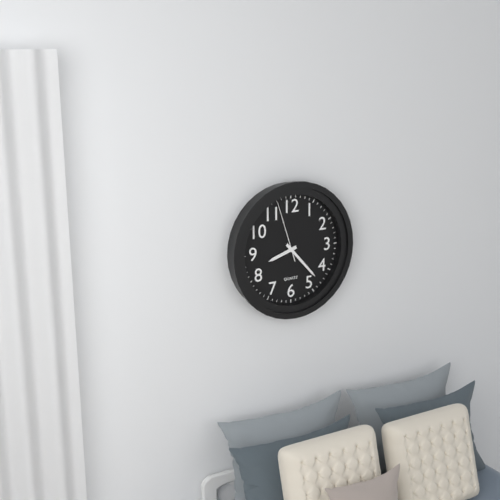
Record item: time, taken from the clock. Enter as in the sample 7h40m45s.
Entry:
8h23m57s
